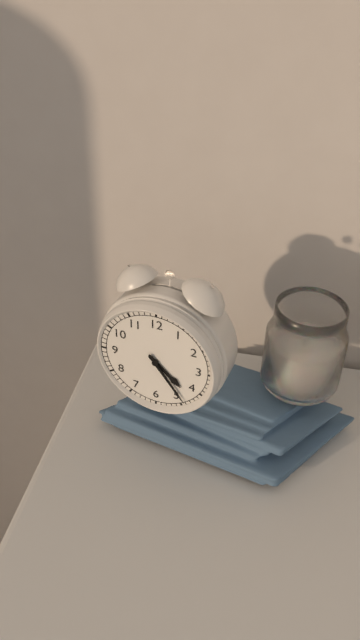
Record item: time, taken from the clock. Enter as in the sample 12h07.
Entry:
4h24
